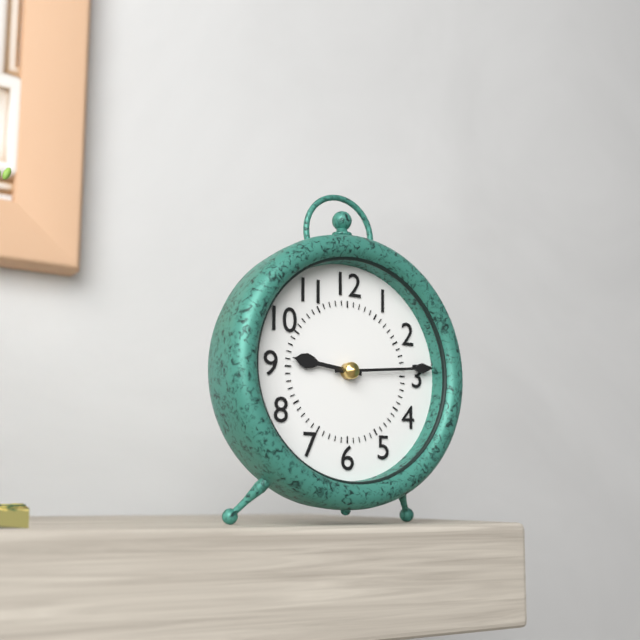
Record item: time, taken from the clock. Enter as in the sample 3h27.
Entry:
9h14
